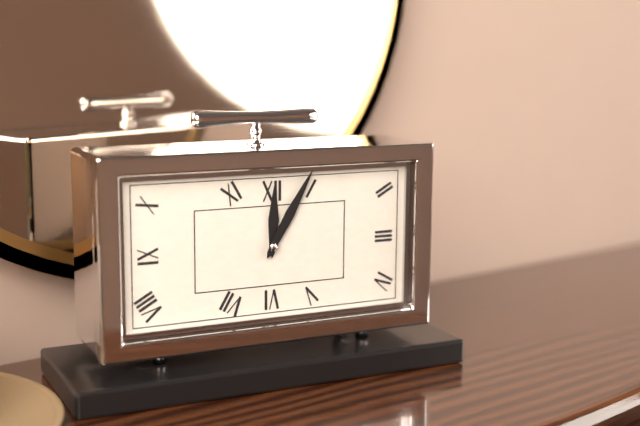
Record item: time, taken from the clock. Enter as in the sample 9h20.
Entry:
12h05
